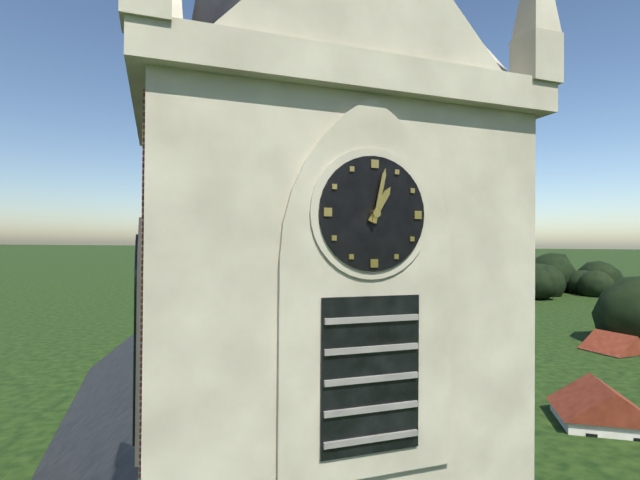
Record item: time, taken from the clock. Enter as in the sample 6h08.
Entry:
1h02
